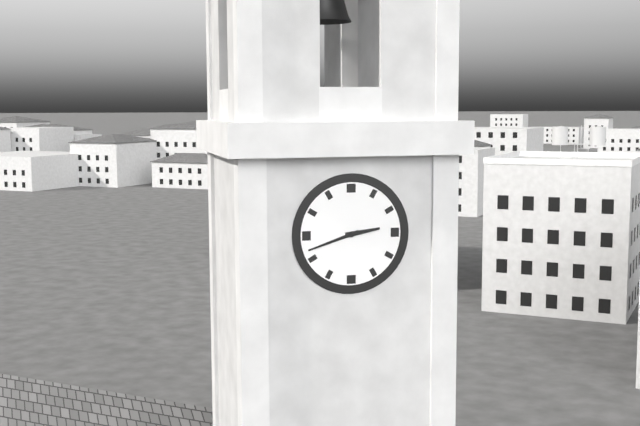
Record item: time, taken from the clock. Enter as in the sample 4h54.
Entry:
2h42
